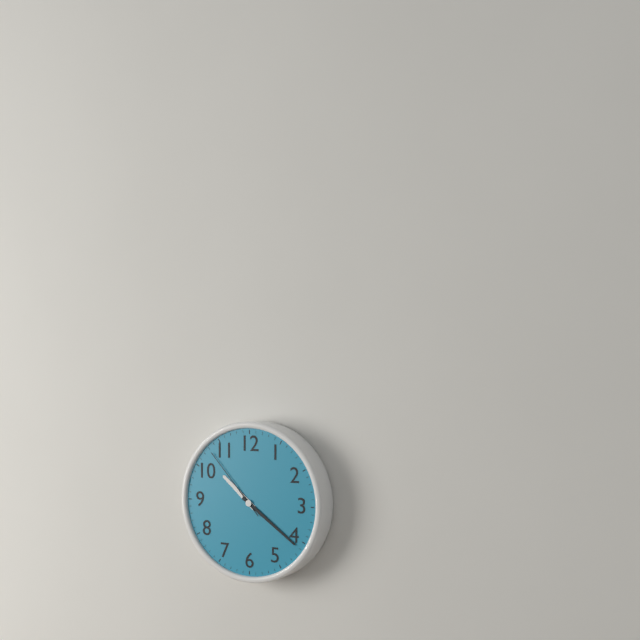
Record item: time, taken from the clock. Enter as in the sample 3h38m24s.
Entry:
10h21m53s
